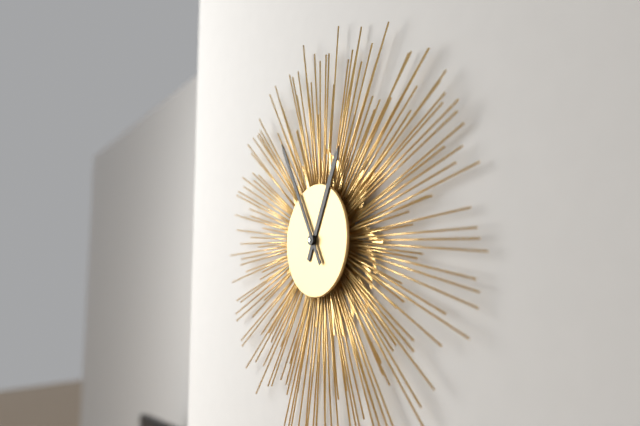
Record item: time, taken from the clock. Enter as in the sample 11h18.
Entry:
12h55
